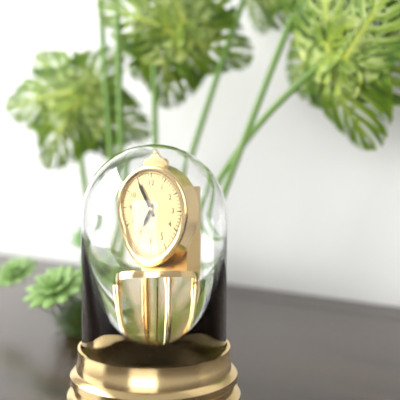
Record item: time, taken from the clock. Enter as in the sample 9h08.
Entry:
6h55
